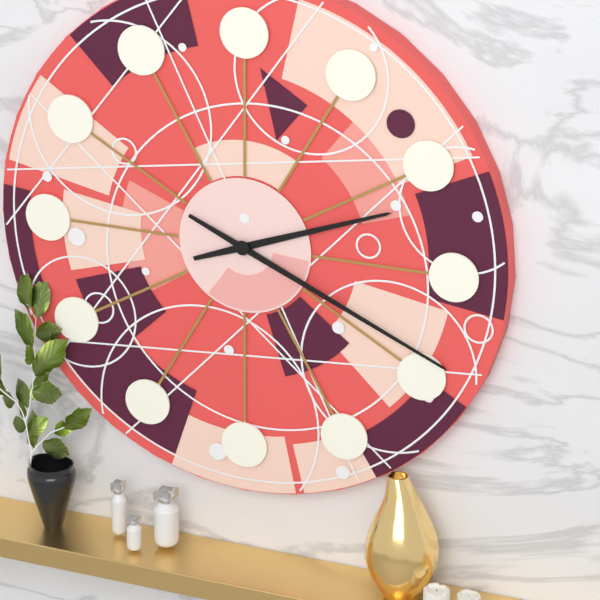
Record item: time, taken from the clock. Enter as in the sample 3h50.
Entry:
2h19
